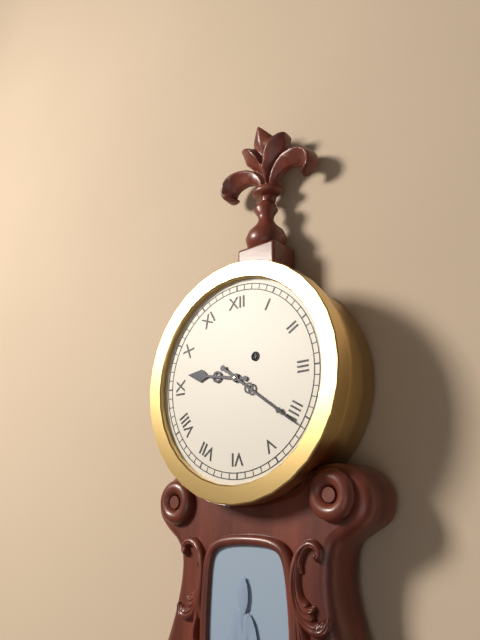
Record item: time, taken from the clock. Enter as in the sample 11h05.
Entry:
9h21
